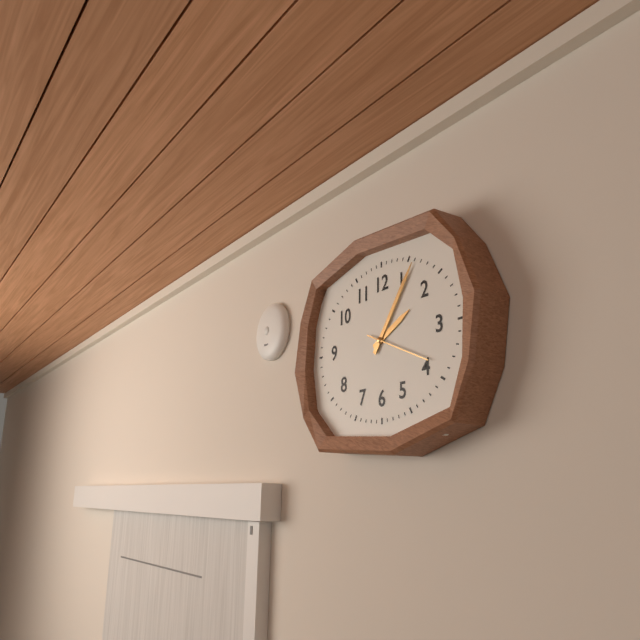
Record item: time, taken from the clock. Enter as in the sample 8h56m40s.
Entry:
2h06m19s
